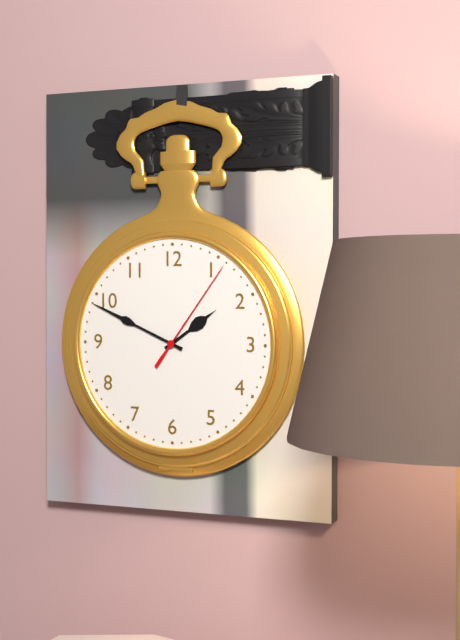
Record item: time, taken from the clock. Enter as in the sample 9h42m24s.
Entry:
1h49m06s
